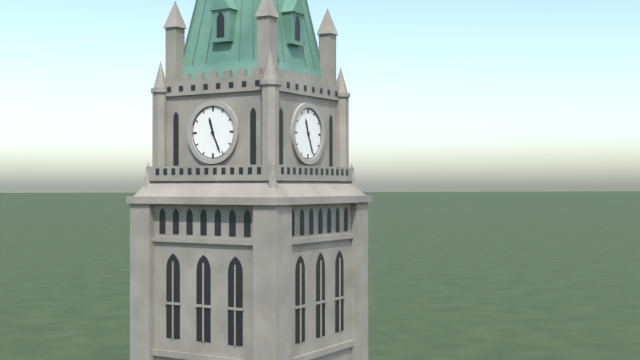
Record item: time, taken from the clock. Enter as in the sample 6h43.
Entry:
11h26
